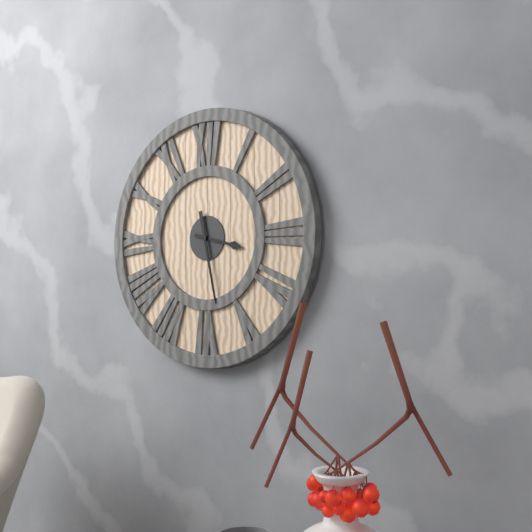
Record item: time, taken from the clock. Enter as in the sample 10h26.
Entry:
3h28
